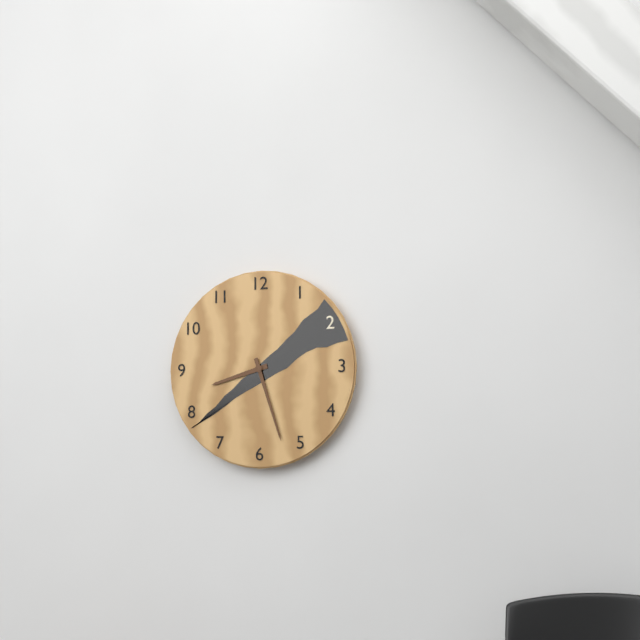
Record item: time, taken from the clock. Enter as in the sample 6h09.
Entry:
8h27
